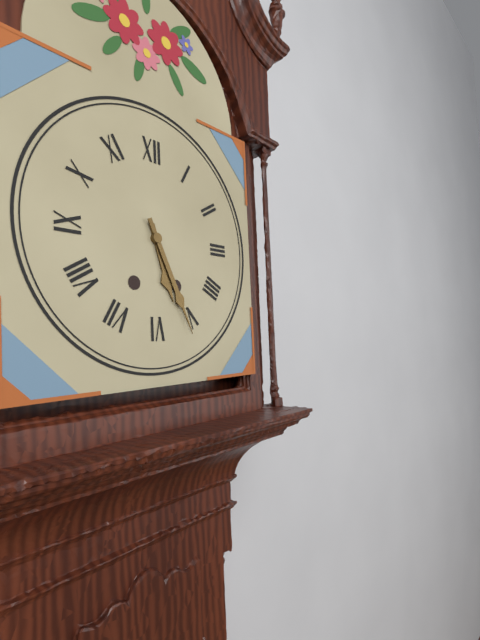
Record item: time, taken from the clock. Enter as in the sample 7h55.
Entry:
5h26
